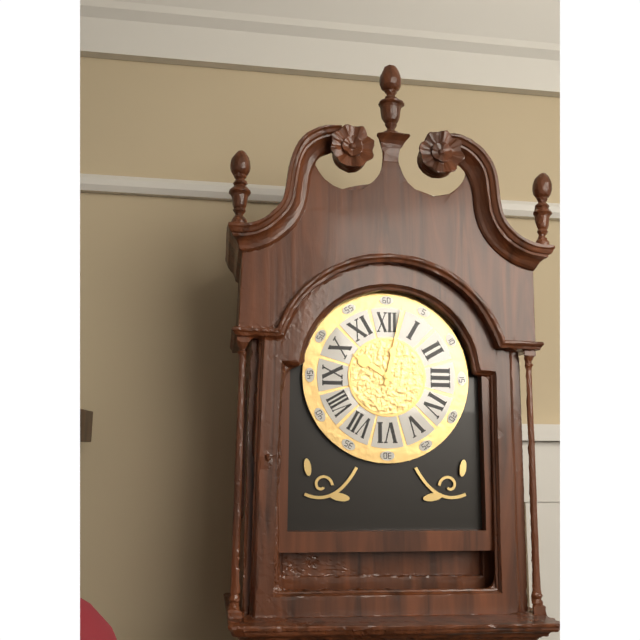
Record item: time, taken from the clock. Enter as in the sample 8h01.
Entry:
10h02
